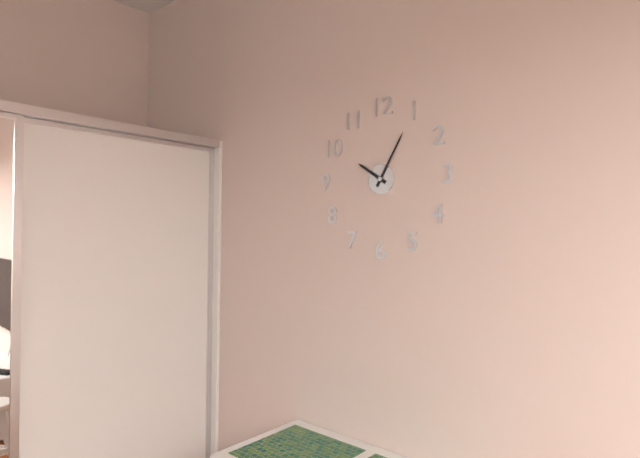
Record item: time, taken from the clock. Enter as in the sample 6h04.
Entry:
10h05
